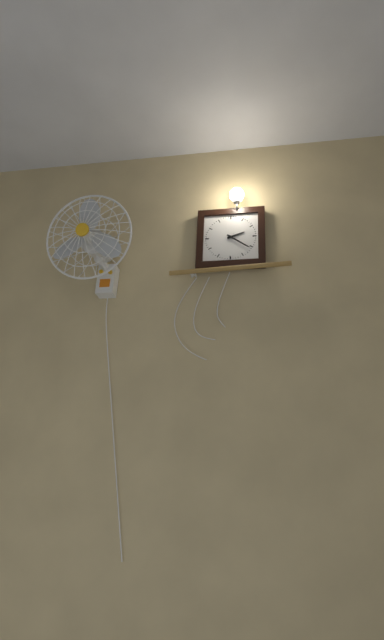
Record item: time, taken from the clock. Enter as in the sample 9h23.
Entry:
2h21
